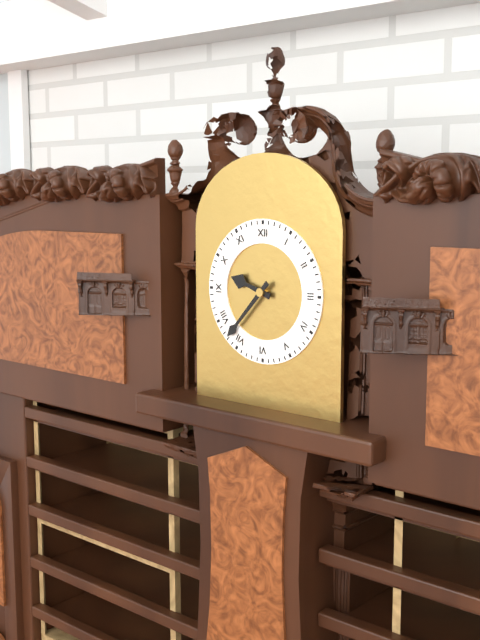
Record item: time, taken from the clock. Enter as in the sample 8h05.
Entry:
9h37
